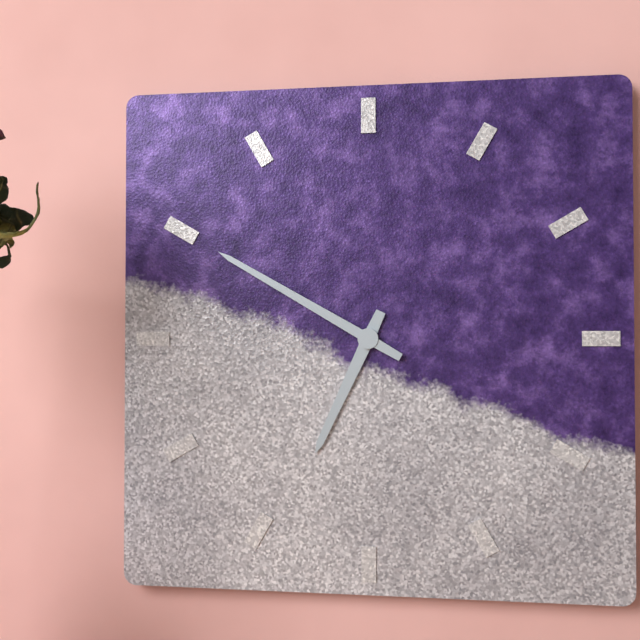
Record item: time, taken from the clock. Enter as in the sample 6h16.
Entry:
6h50
